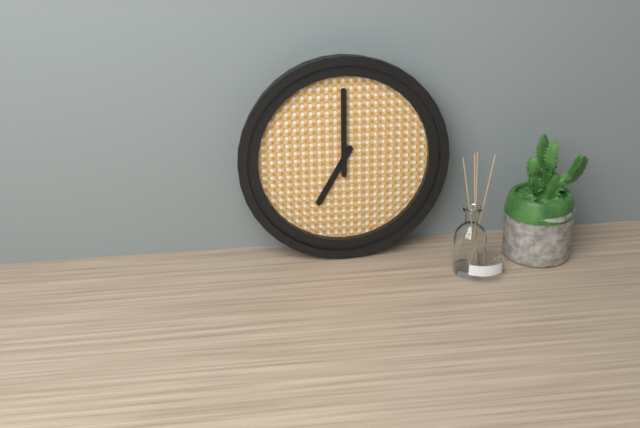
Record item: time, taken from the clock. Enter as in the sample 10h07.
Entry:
7h00
